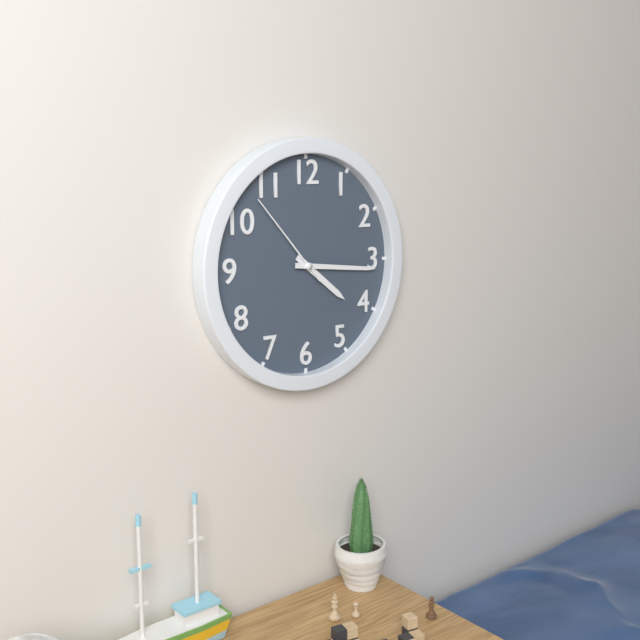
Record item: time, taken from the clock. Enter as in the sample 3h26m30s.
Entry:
4h16m53s
